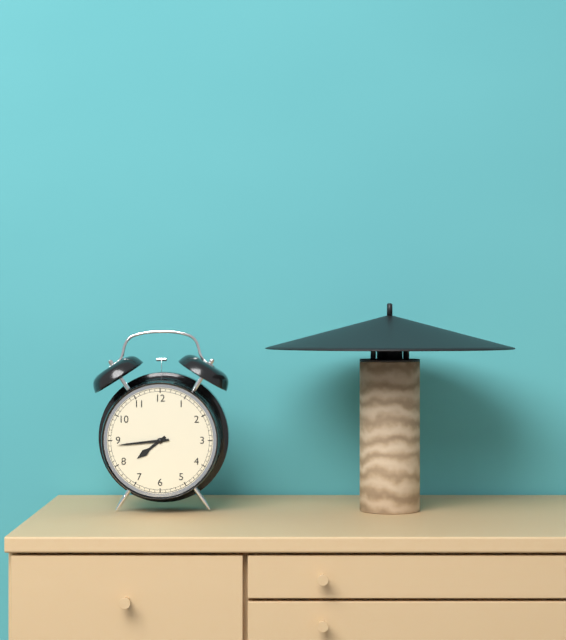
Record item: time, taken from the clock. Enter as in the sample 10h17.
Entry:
7h44
